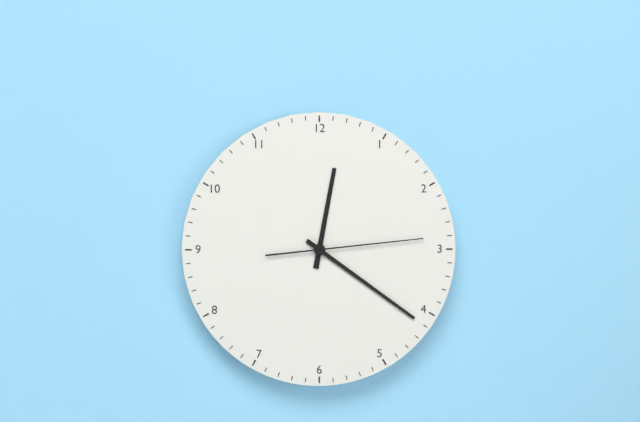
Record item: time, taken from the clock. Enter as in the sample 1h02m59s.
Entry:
12h21m14s
